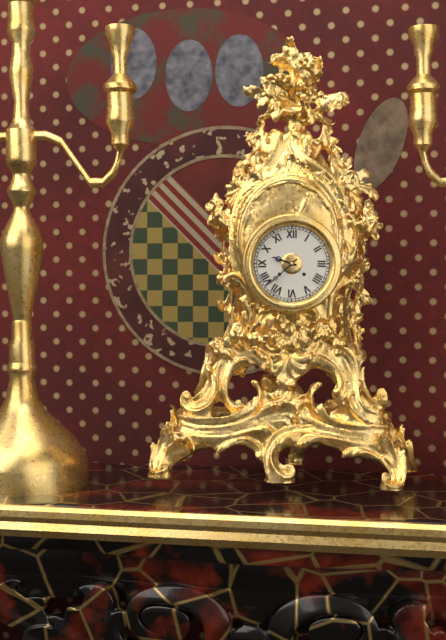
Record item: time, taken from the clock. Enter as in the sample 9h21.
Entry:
9h38
